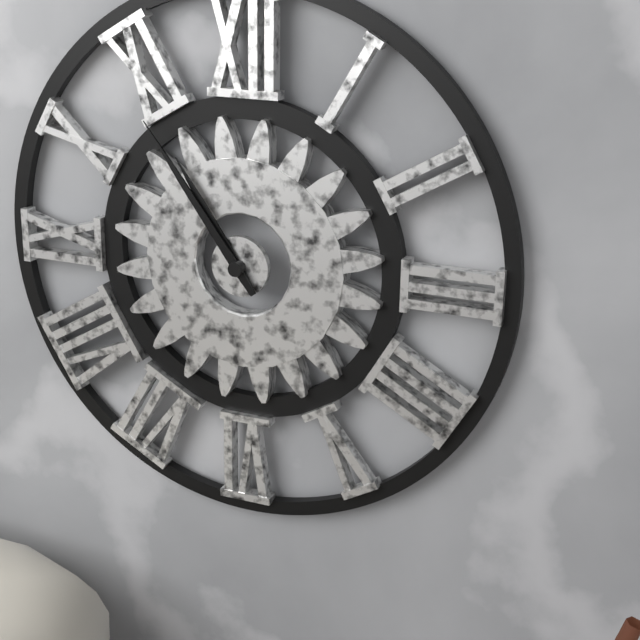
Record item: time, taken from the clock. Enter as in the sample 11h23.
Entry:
10h54
